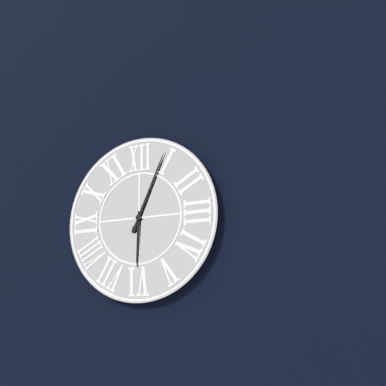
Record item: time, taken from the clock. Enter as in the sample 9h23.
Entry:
6h04
